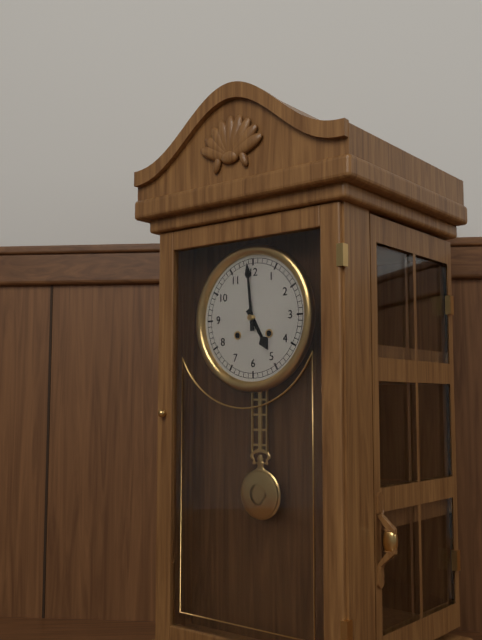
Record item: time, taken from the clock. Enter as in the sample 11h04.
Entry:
4h59
